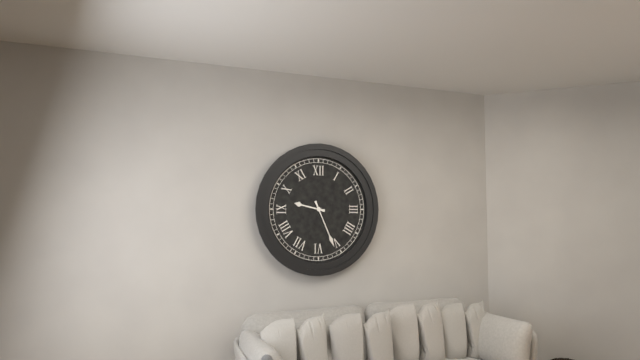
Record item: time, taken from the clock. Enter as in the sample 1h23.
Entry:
9h26
